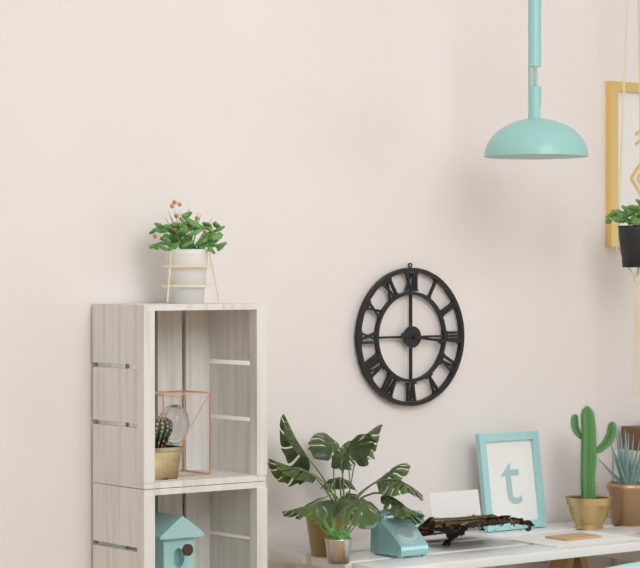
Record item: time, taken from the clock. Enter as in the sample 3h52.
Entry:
3h16
